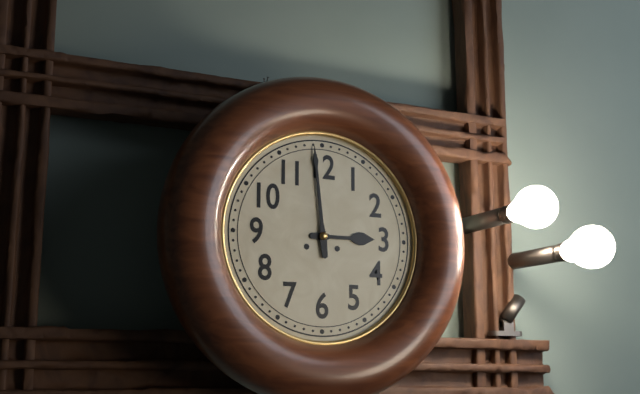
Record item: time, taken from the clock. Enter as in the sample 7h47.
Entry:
2h59
